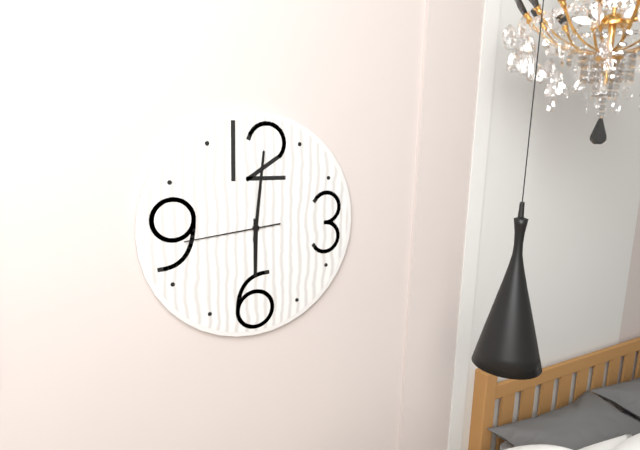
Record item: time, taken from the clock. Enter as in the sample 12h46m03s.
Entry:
6h01m44s
